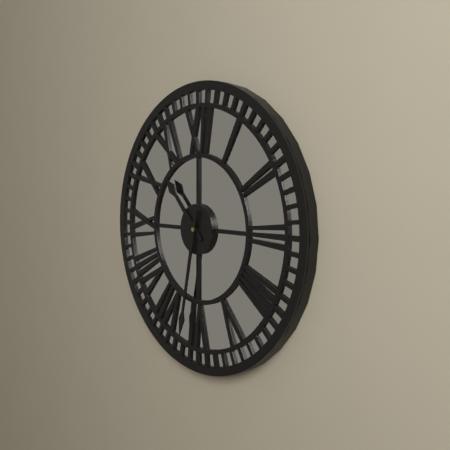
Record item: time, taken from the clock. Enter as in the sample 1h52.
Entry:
10h32
